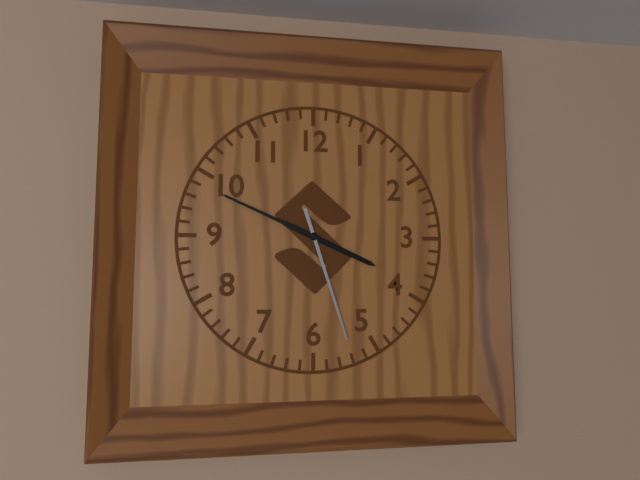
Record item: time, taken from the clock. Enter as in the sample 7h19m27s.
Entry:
3h49m27s
